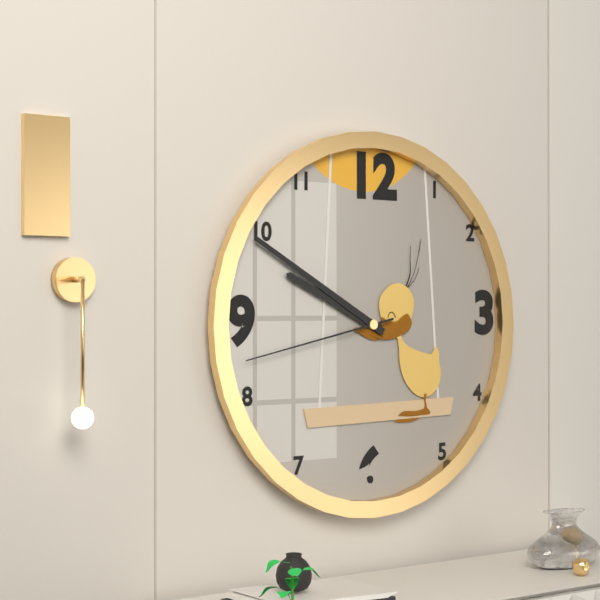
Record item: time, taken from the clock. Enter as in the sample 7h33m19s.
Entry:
9h50m43s
